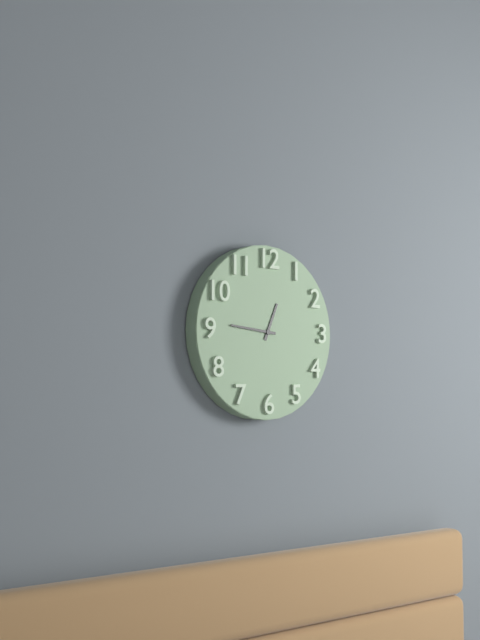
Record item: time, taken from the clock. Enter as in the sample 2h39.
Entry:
12h46
